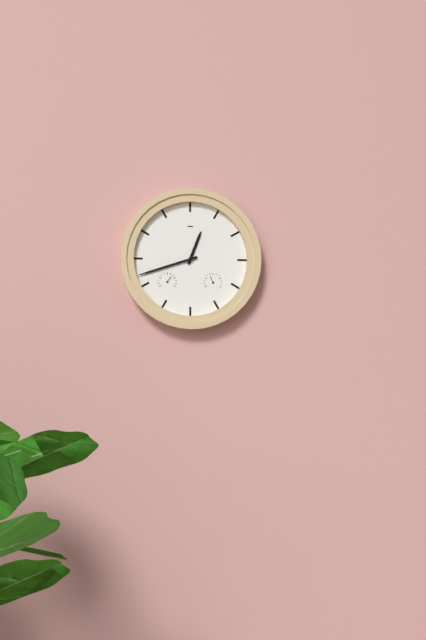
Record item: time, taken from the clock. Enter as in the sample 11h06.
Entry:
12h42
